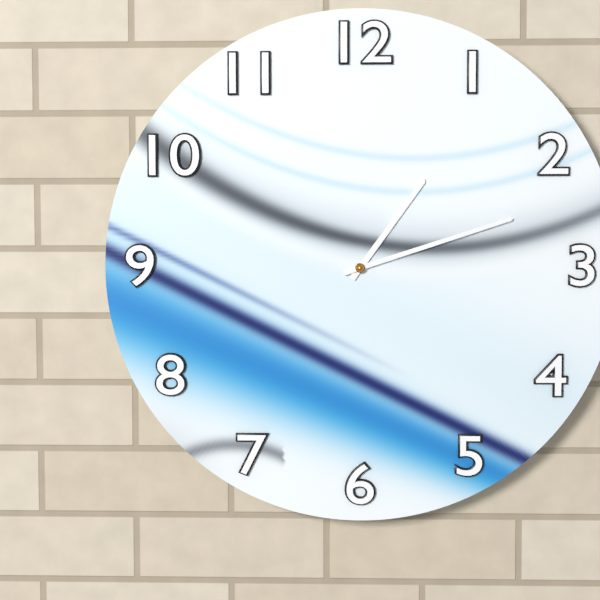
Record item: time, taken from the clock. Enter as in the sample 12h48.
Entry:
1h12
